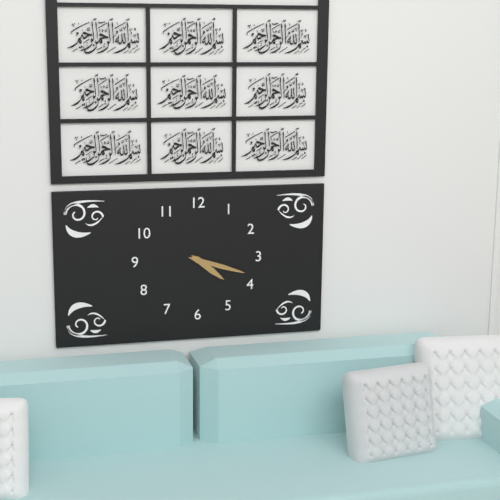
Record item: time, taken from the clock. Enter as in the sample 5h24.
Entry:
4h18
